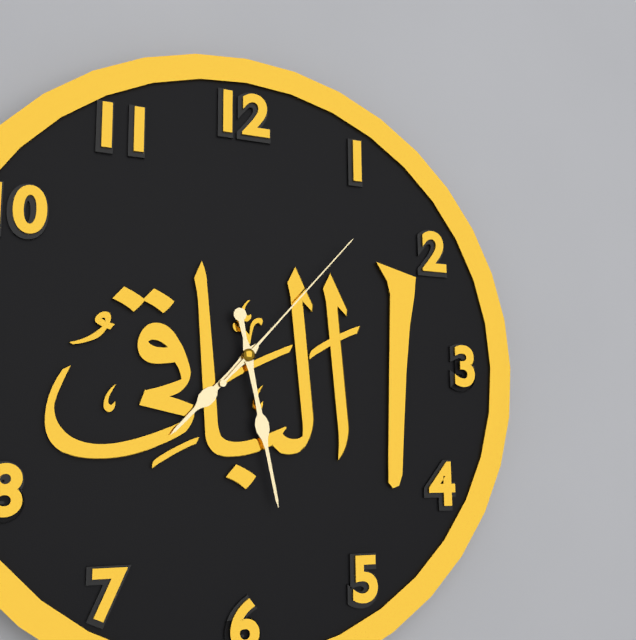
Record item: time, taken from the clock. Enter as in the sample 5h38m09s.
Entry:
7h28m07s
